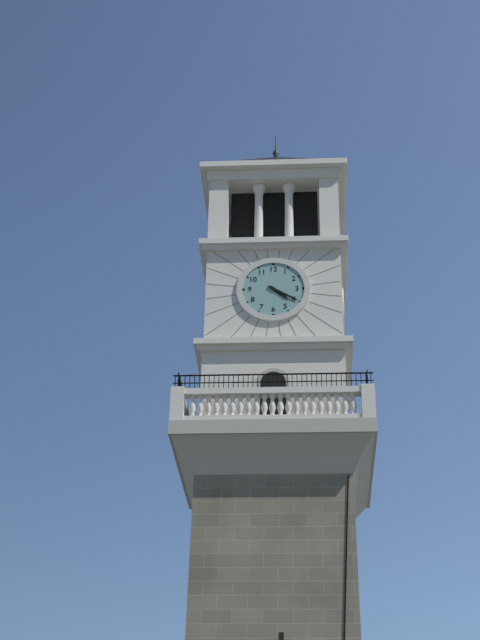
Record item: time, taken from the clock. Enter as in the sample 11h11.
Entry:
4h20
